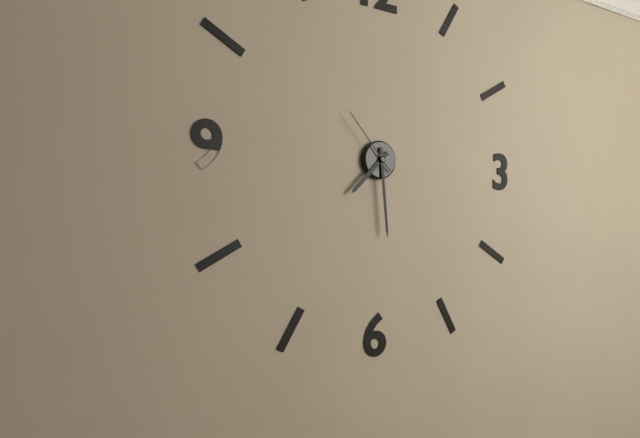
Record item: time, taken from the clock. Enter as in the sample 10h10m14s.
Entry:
7h29m53s
